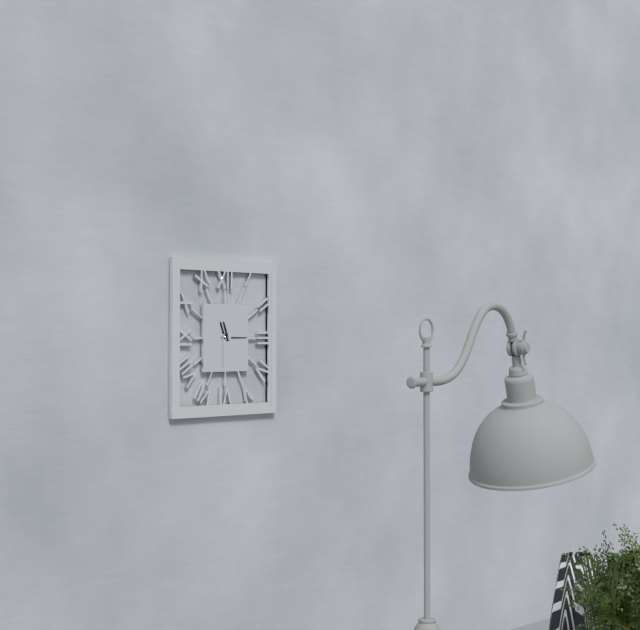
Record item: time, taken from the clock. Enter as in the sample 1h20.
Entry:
11h15
